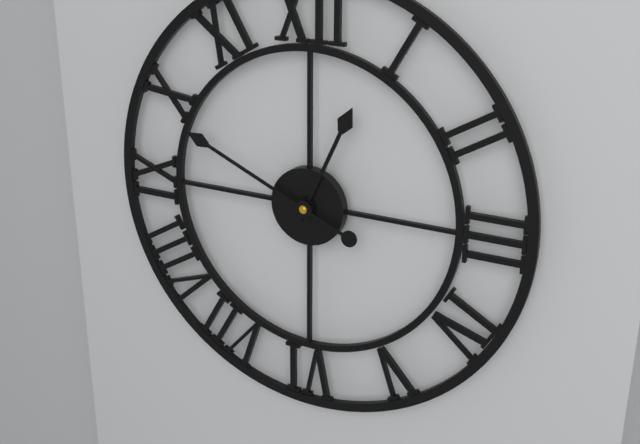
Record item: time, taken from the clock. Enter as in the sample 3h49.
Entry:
12h49
